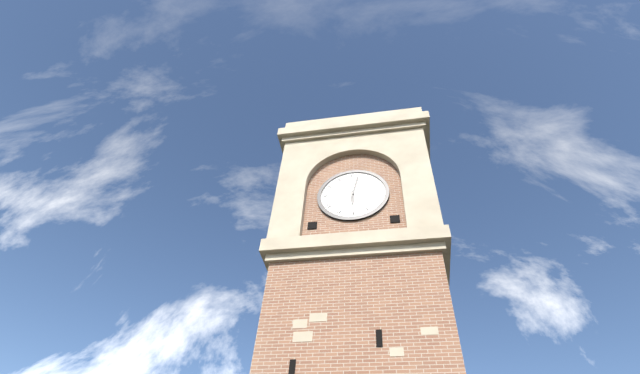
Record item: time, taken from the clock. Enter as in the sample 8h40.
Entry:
6h02
